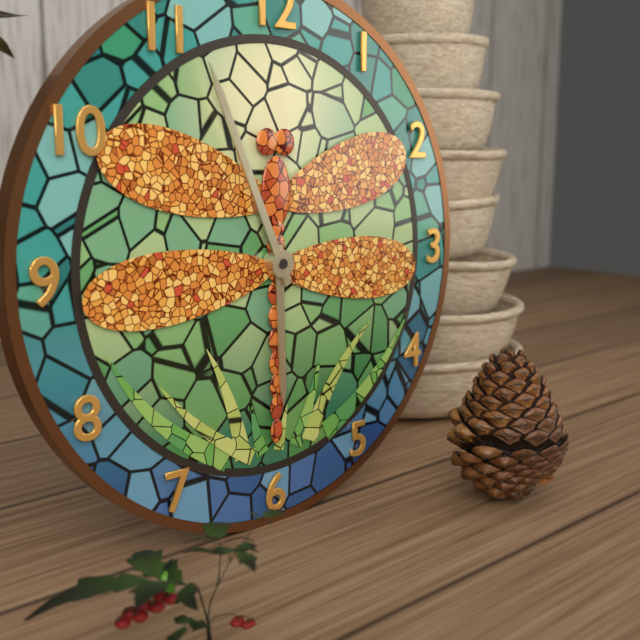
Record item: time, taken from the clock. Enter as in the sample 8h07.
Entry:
5h56
